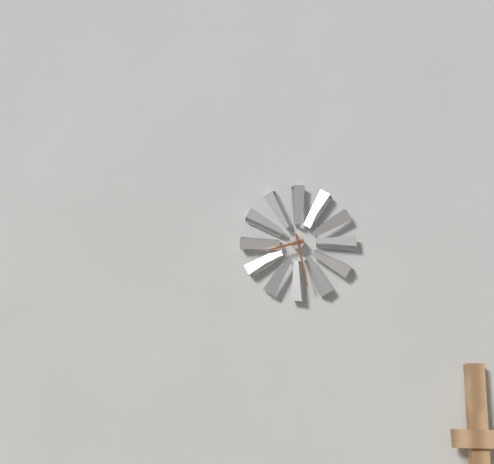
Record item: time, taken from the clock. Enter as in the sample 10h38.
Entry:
8h28
